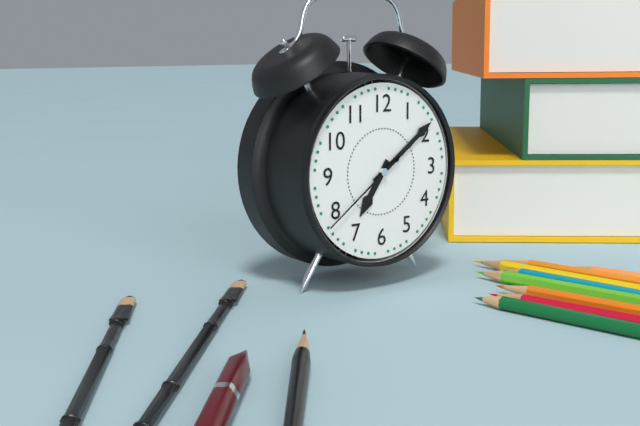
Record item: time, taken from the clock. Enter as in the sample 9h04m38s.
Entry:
7h09m39s
